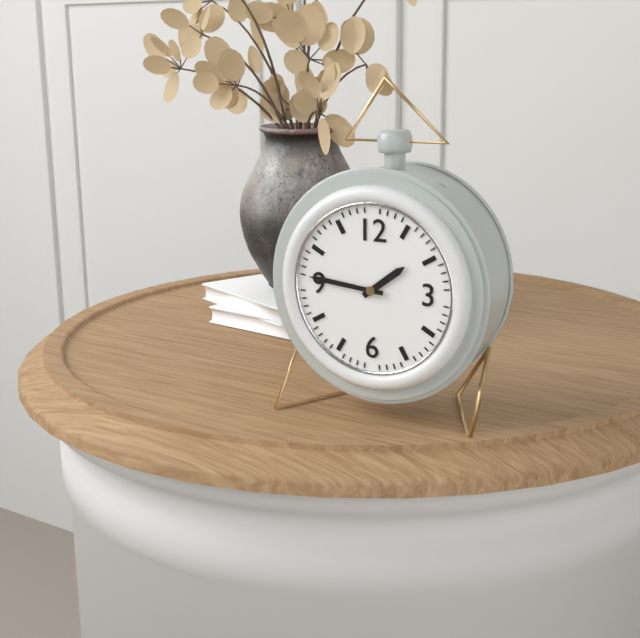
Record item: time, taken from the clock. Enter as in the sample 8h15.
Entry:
1h46
